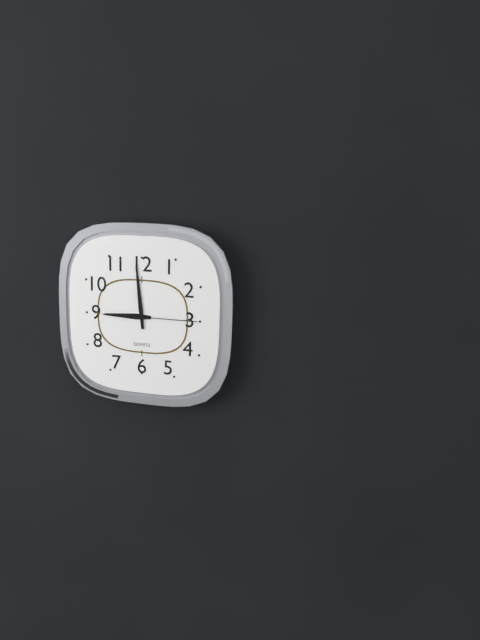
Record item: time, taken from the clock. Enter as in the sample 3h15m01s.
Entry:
8h59m15s
